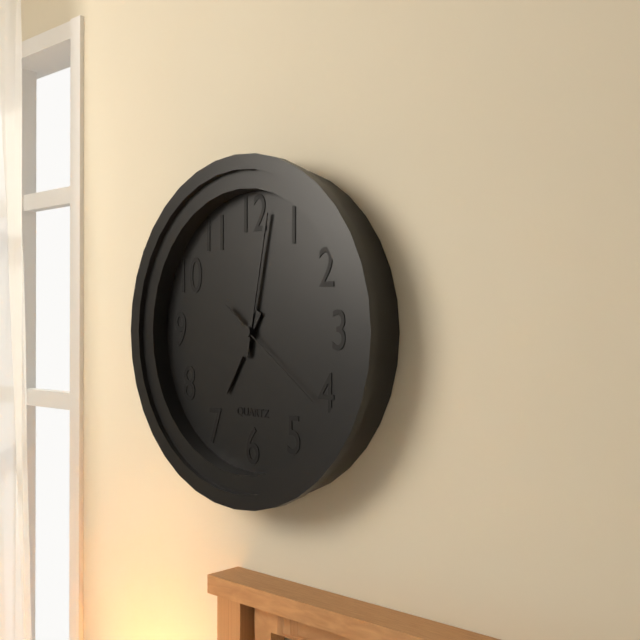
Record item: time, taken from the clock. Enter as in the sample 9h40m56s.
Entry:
7h02m21s
